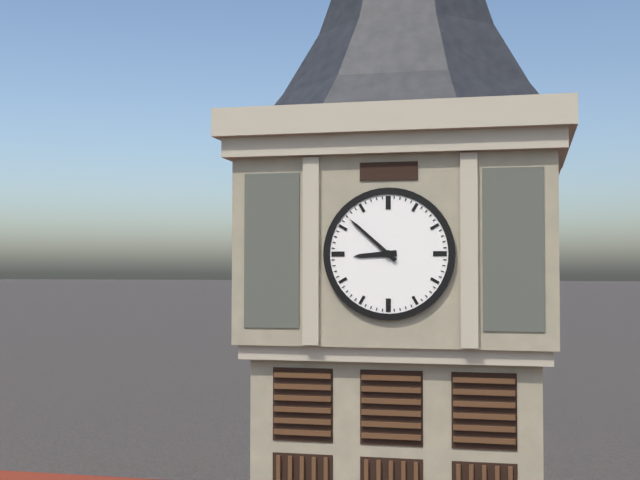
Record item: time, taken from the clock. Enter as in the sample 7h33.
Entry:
8h52
